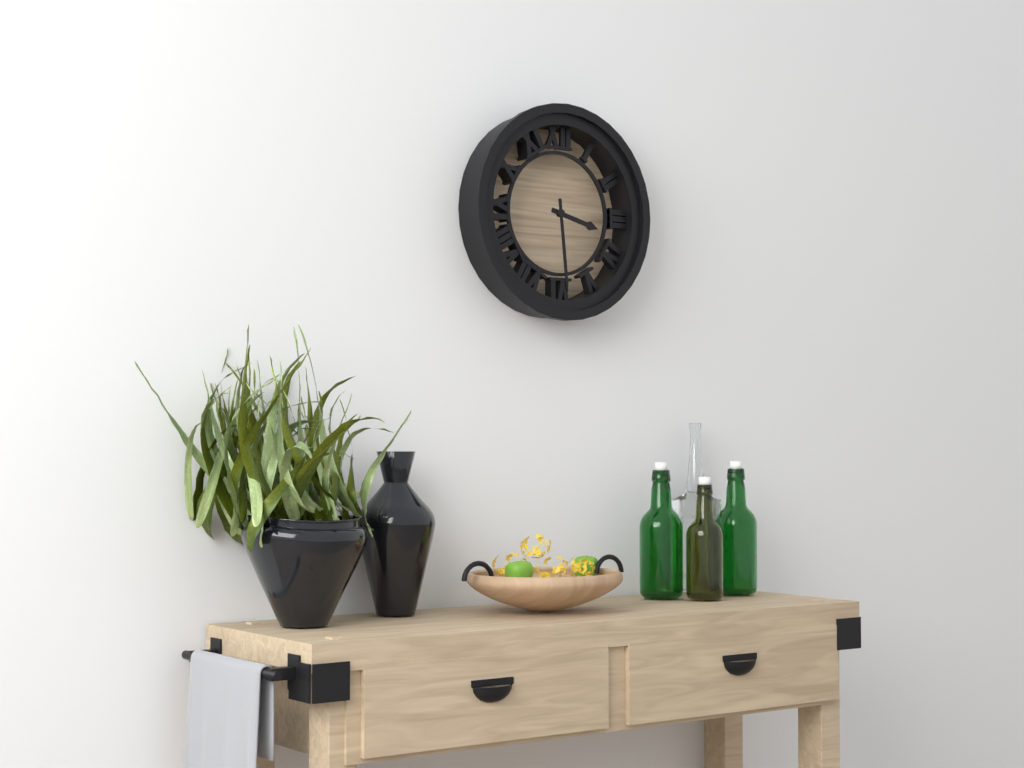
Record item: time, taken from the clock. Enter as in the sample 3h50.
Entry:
3h29
